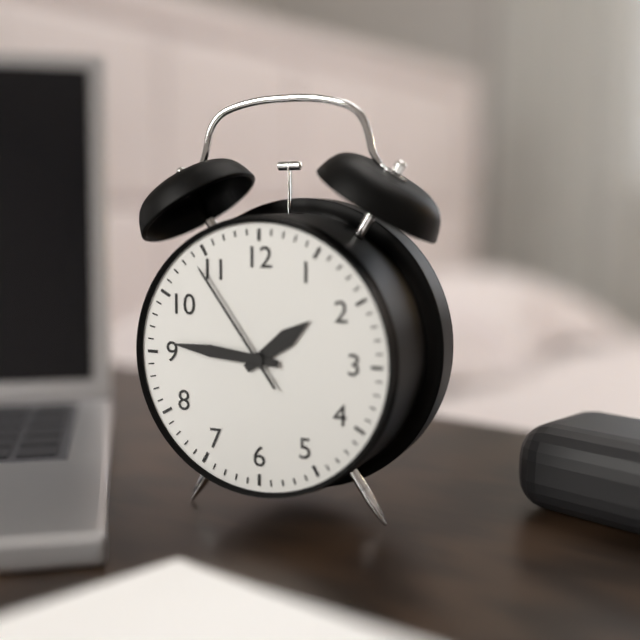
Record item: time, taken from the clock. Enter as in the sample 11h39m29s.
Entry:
1h46m54s
